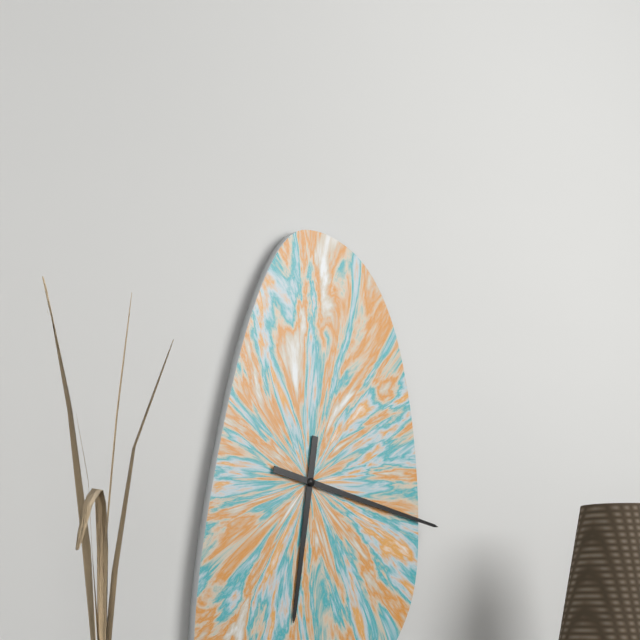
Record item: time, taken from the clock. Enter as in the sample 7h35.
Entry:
6h17
